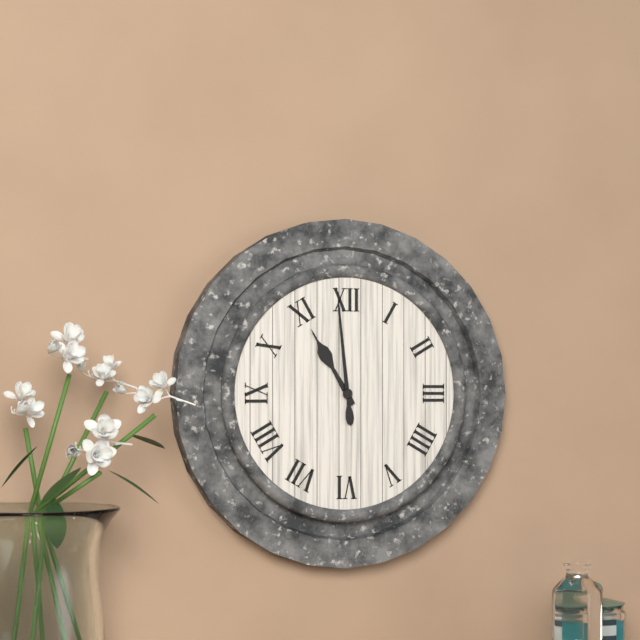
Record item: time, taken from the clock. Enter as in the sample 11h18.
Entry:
10h59
